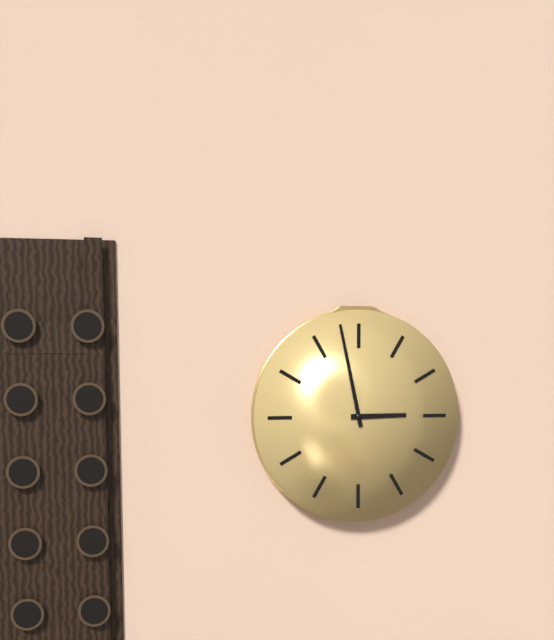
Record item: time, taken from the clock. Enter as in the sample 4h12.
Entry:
2h58
